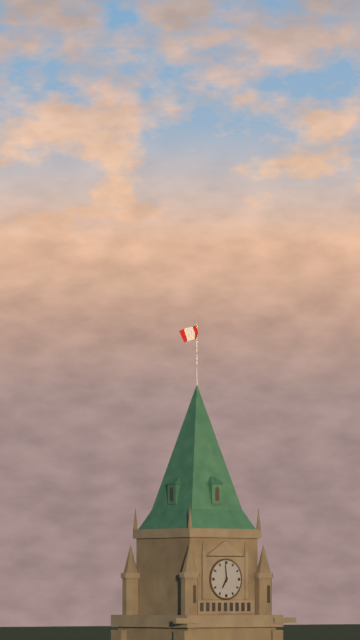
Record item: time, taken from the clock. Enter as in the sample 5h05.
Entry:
6h59
